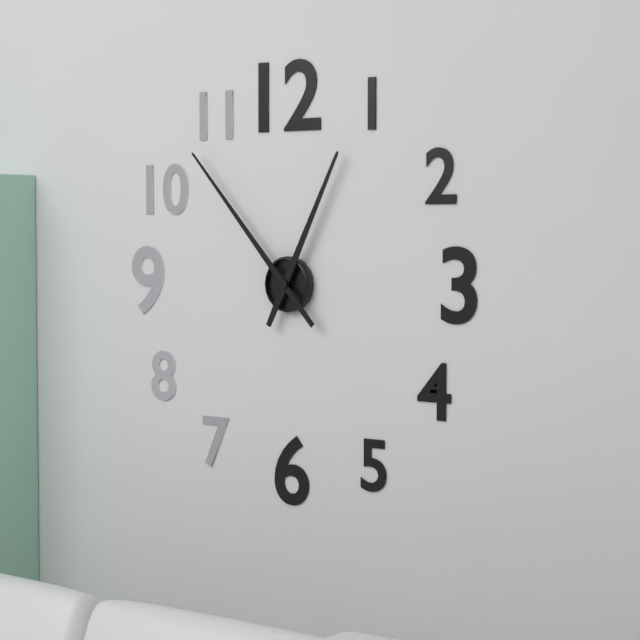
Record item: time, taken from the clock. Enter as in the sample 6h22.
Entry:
12h53
